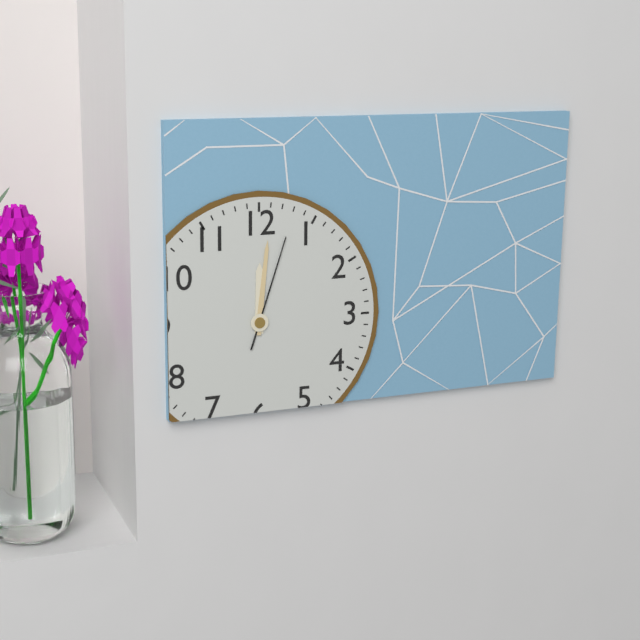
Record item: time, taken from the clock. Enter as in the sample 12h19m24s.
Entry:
12h01m03s
